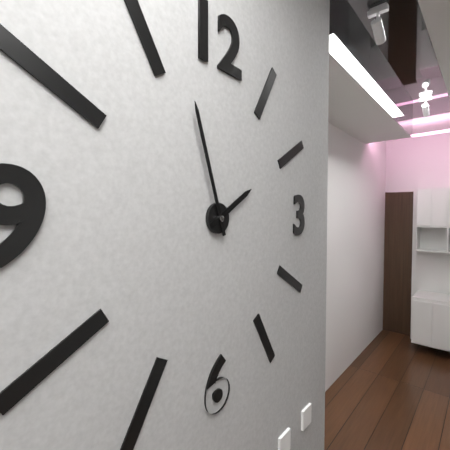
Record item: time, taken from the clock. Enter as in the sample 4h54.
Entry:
1h57
